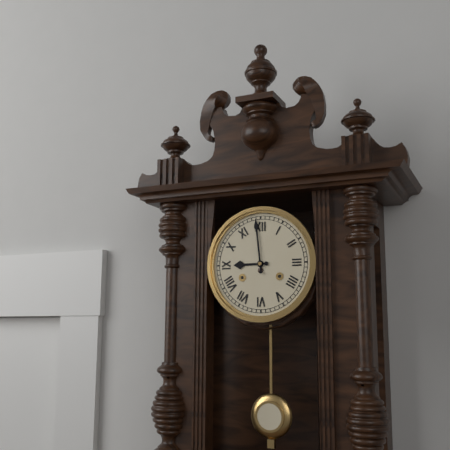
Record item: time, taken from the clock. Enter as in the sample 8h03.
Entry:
8h59
